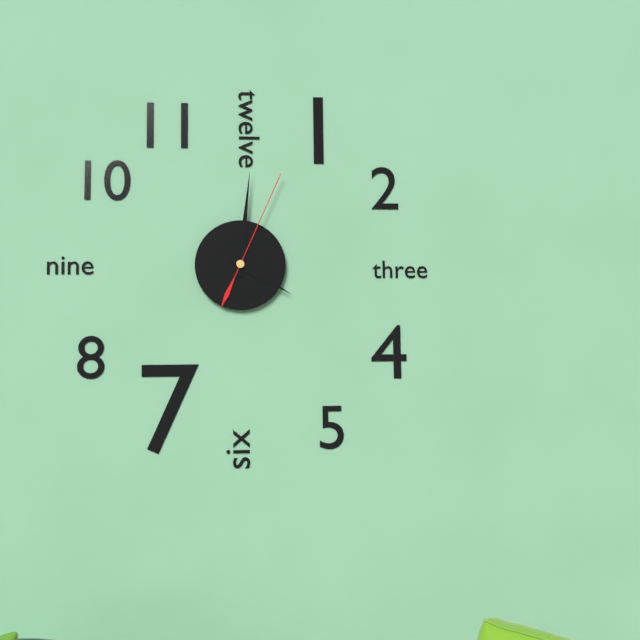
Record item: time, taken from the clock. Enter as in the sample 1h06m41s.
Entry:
4h01m04s
